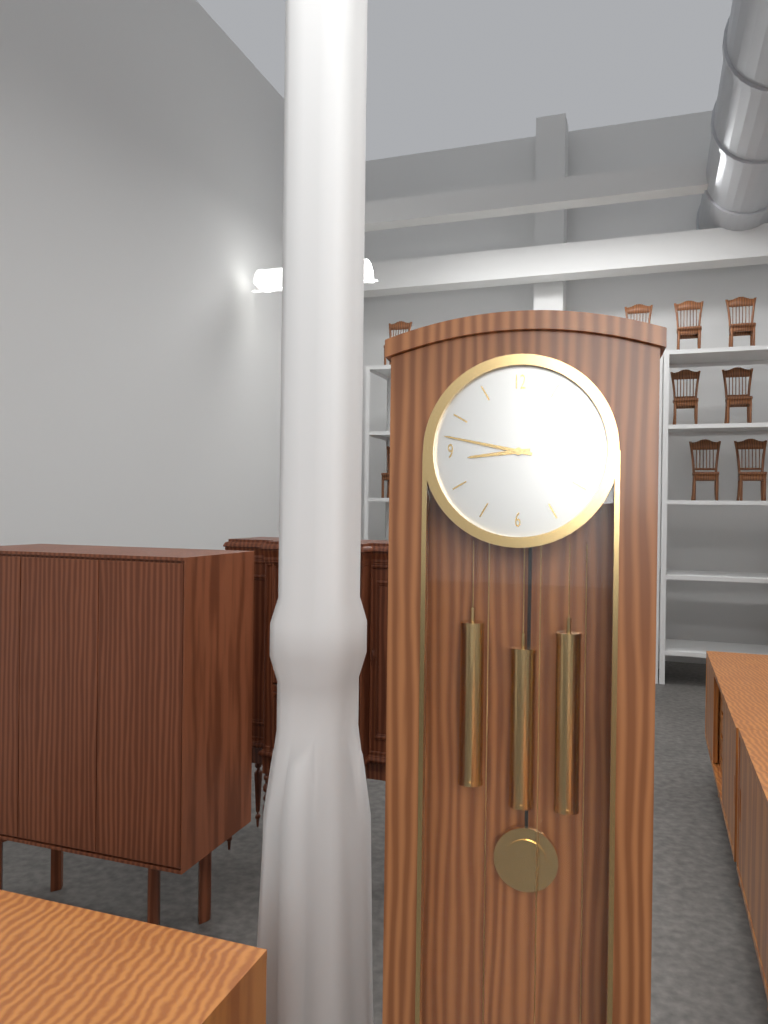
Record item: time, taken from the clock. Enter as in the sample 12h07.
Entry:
8h47
